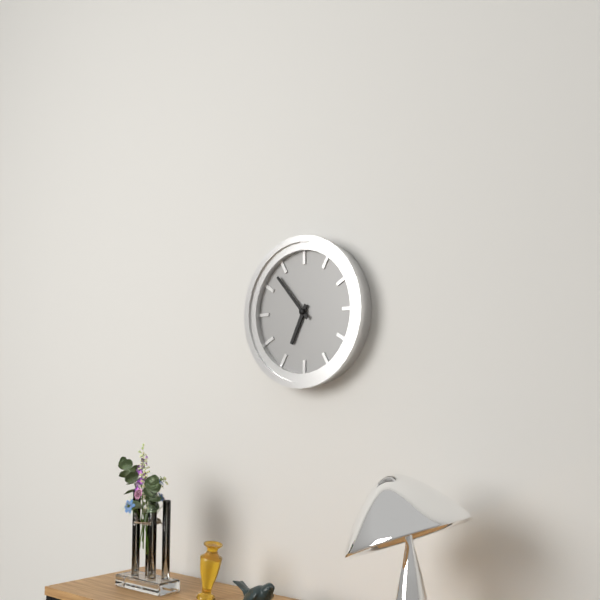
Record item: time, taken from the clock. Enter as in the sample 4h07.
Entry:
6h53
